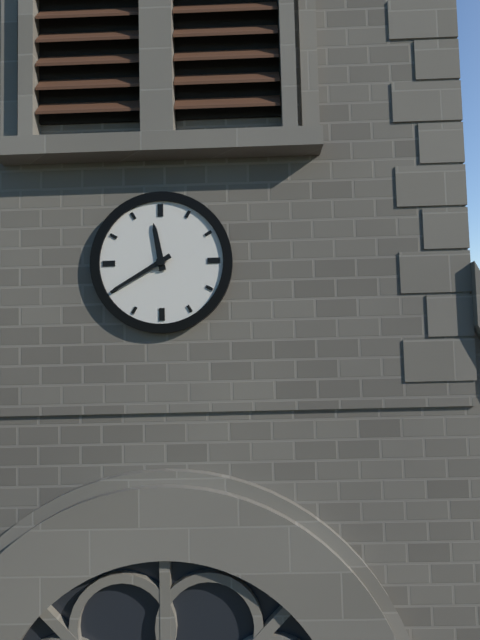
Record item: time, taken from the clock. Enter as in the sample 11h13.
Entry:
11h40
